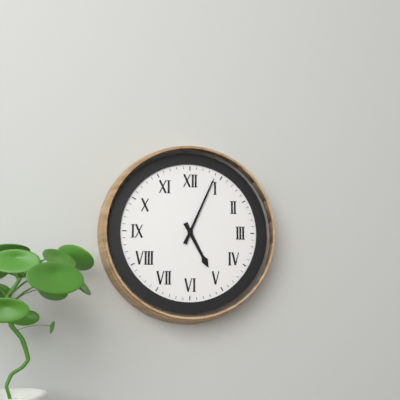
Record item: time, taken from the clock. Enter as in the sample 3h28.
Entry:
5h04
